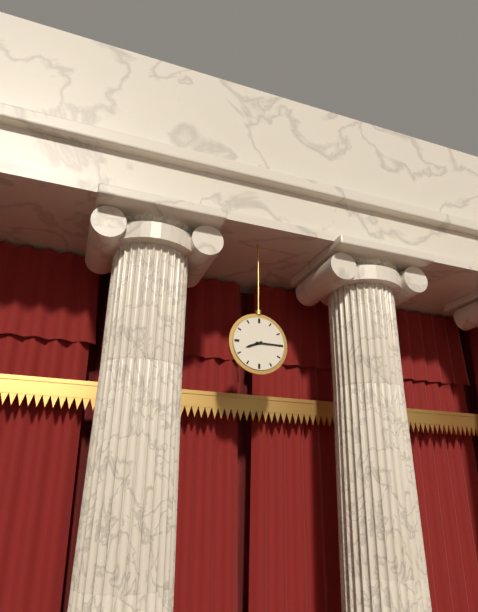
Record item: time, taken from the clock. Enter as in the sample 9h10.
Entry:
8h15
